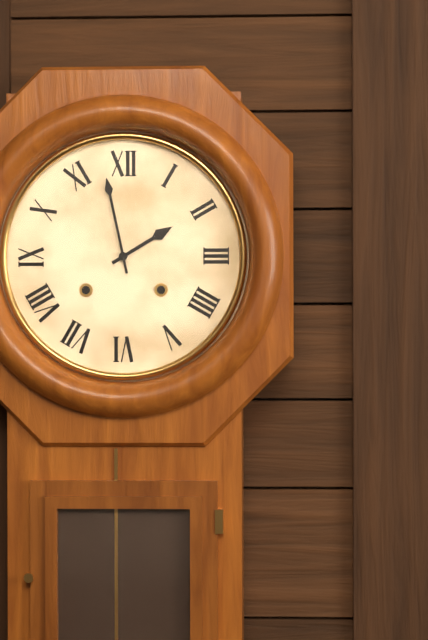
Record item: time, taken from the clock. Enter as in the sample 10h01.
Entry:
1h58
